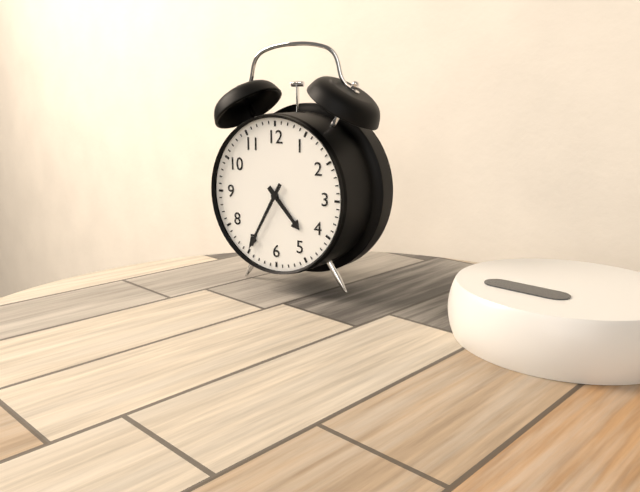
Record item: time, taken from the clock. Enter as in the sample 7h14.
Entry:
4h35
